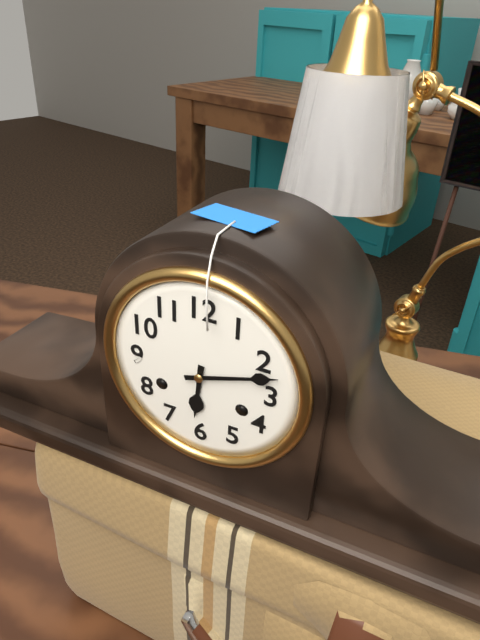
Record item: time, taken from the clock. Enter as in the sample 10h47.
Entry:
6h12
